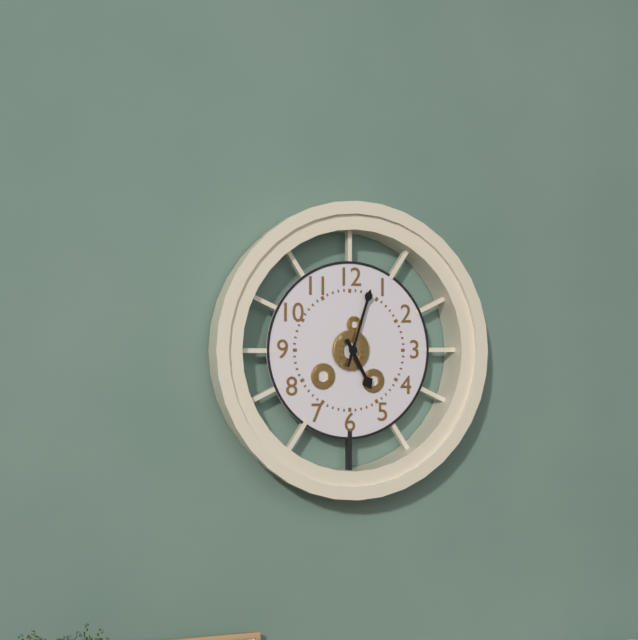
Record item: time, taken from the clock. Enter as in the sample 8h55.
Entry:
5h03
